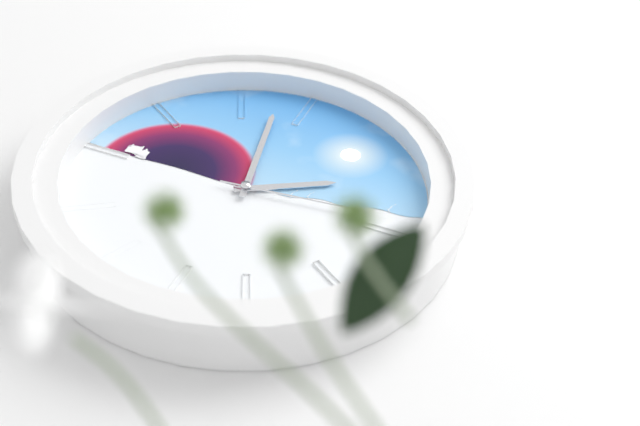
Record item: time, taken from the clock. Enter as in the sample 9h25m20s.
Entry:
1h58m14s
